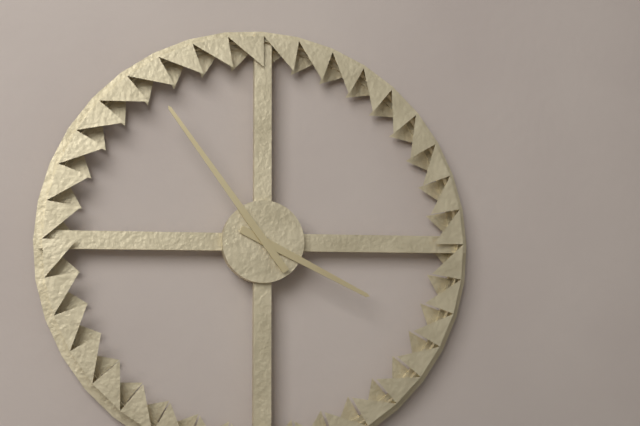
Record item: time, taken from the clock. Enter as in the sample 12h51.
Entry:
3h54
